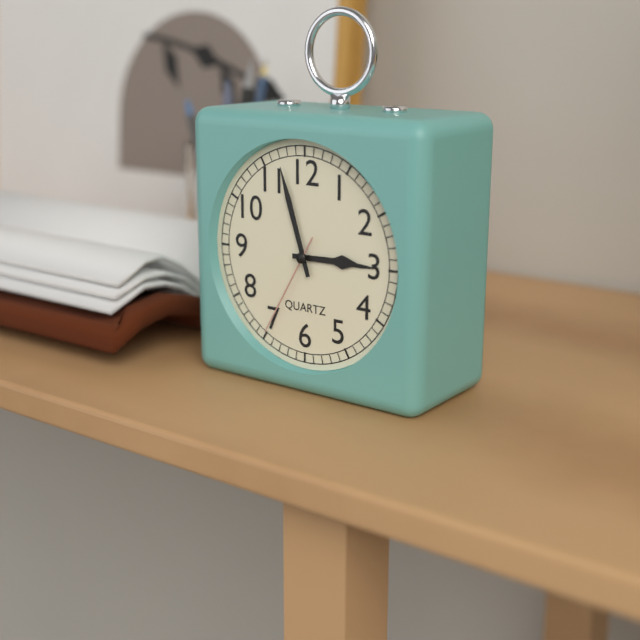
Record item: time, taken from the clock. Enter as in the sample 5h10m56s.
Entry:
2h57m35s
